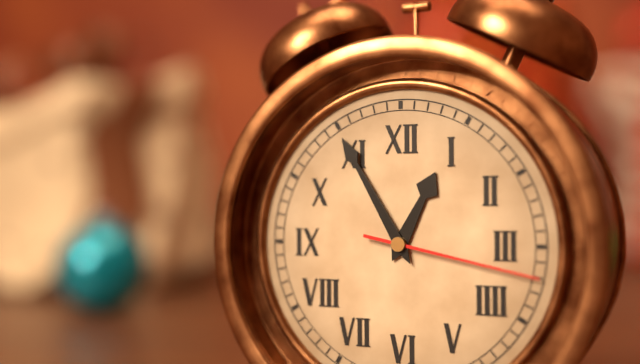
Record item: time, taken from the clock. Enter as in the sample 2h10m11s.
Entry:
12h55m17s
